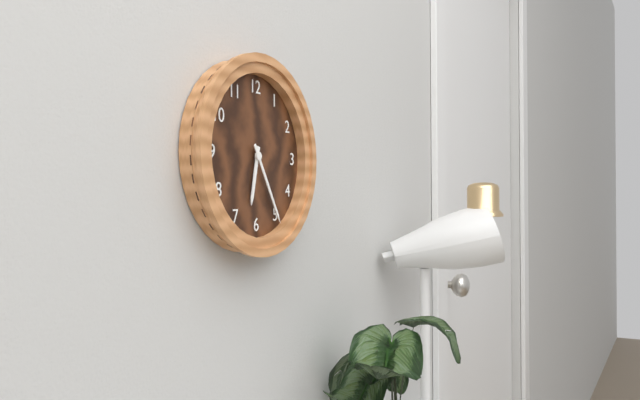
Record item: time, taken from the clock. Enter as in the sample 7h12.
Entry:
6h25
